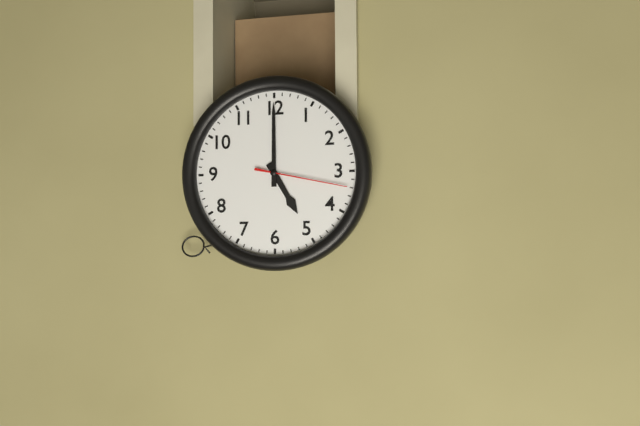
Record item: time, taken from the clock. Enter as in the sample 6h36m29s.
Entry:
5h00m17s
